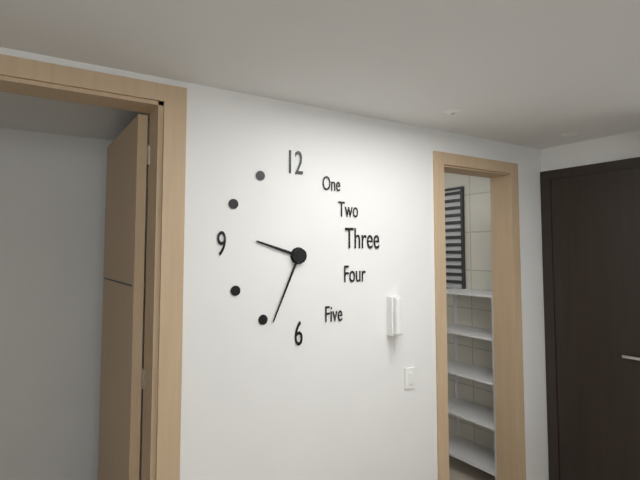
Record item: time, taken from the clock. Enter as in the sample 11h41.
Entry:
9h34
